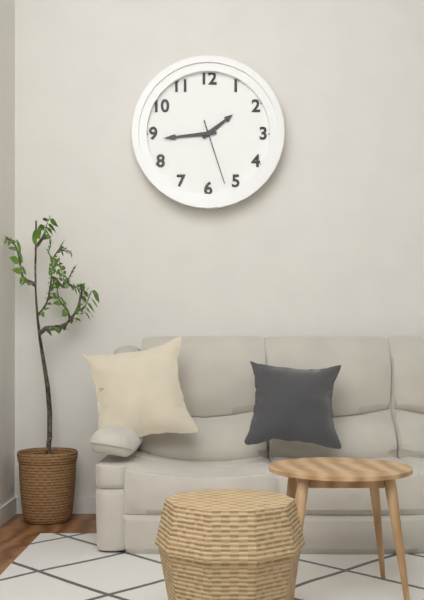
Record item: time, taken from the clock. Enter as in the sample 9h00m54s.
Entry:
1h44m27s
